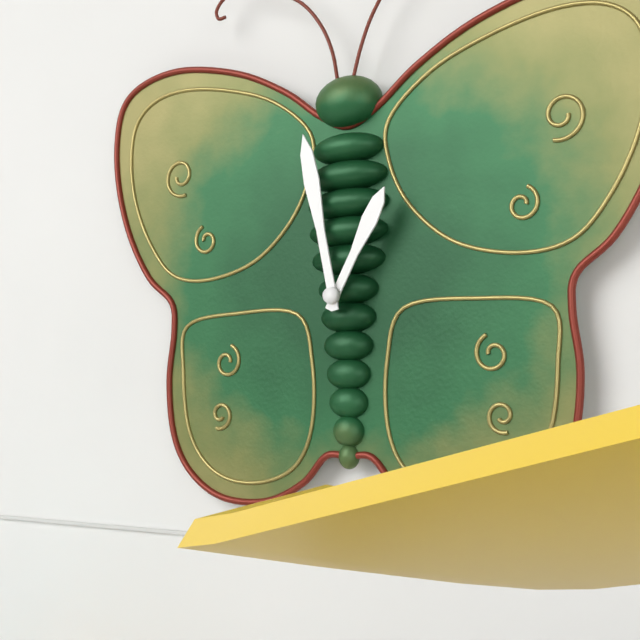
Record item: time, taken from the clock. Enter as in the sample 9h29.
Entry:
12h58
